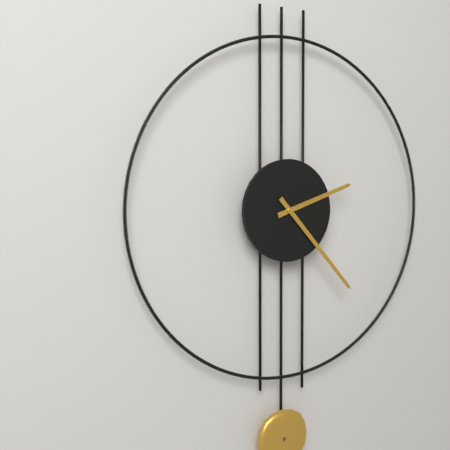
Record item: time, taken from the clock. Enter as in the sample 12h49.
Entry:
2h23
